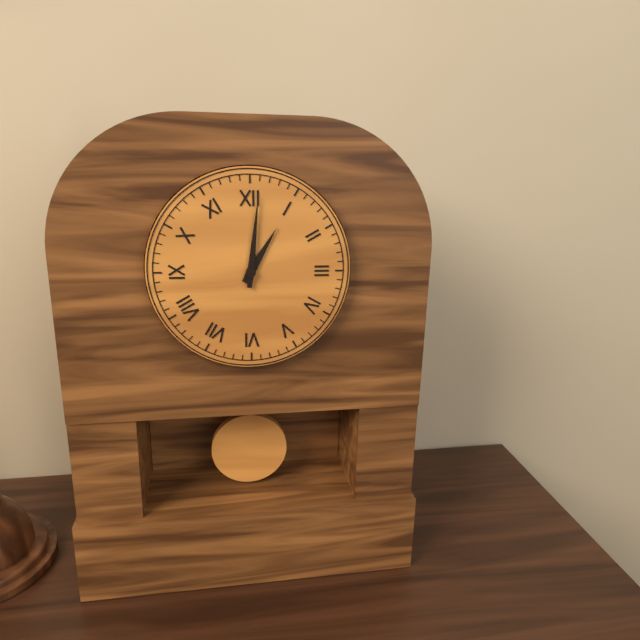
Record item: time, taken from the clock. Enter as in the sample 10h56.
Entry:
1h01
